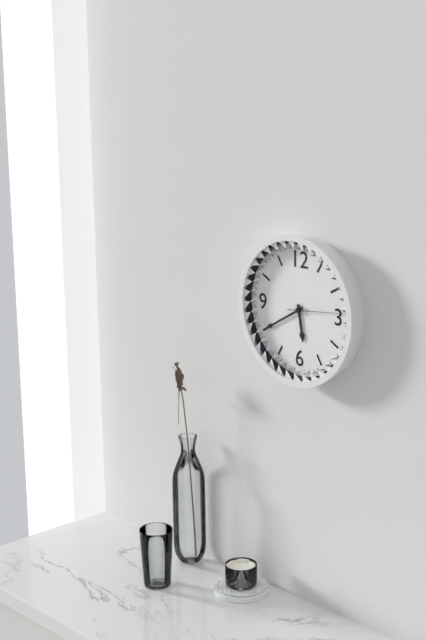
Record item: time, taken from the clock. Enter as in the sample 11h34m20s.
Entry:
5h40m14s
